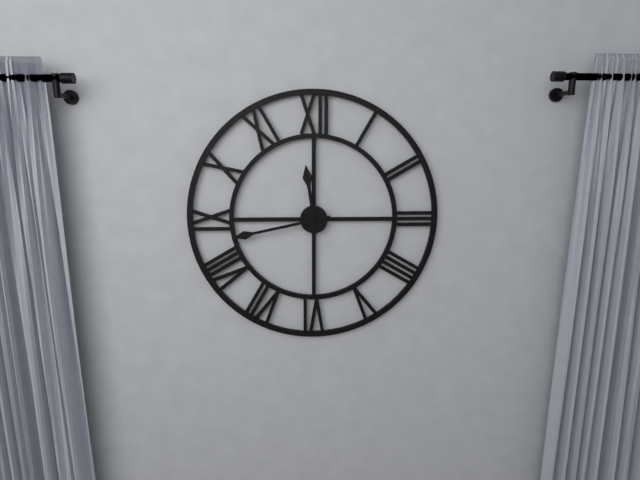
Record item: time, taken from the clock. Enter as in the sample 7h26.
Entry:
11h43
